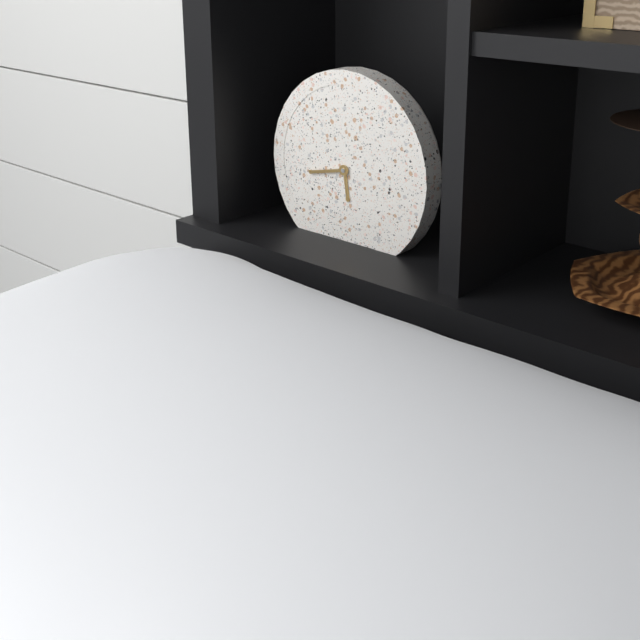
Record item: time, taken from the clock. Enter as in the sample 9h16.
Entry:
5h43
